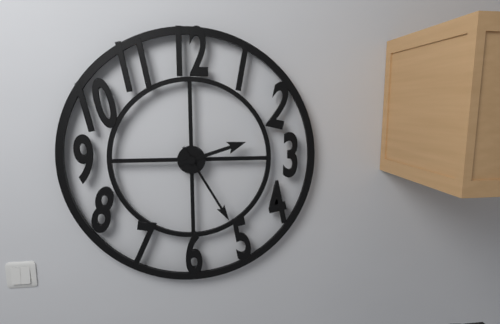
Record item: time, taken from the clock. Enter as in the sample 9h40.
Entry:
2h25
